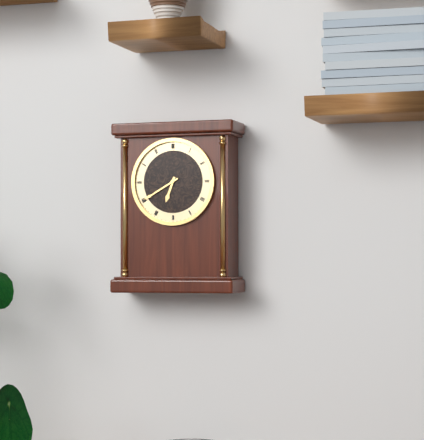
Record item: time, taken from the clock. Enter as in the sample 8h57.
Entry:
6h40
